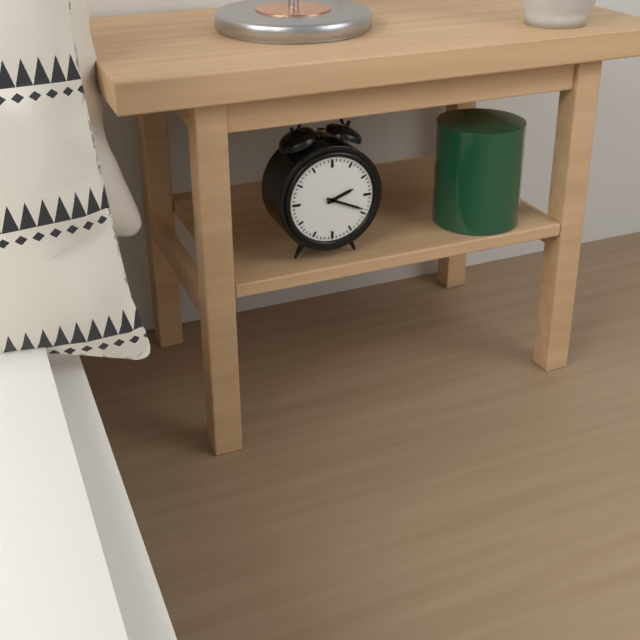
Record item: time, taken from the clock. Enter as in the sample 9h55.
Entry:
2h19
